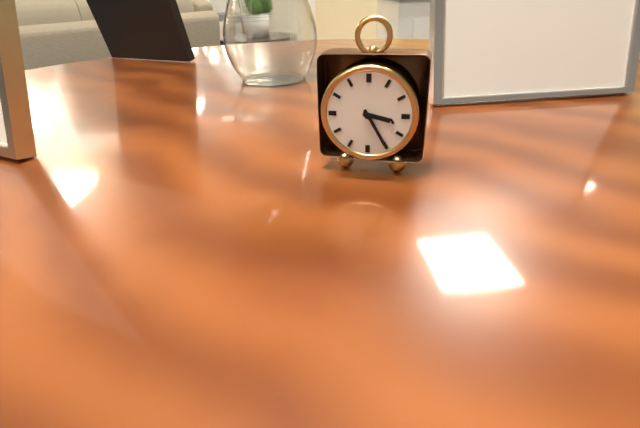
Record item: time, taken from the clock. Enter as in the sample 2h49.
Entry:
3h25
